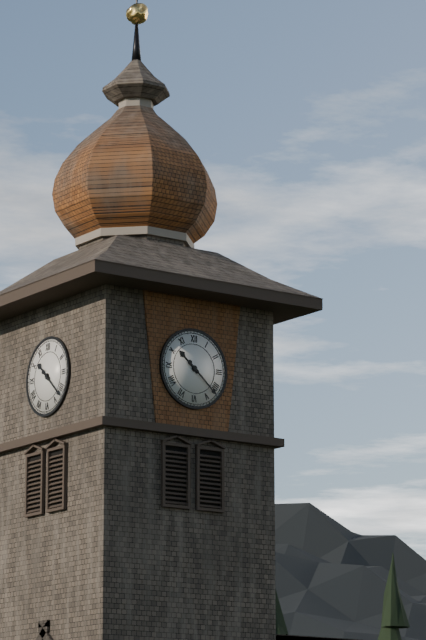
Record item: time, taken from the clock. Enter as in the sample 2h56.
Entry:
10h22
